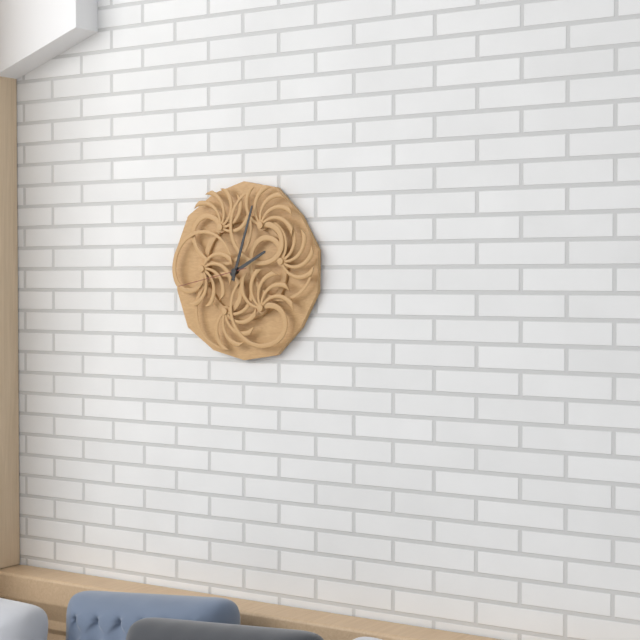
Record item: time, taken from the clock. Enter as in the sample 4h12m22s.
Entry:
2h03m43s
